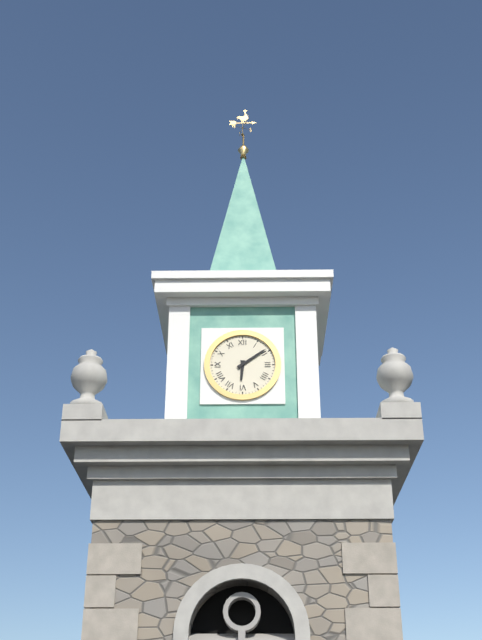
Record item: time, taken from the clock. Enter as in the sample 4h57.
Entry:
6h09
